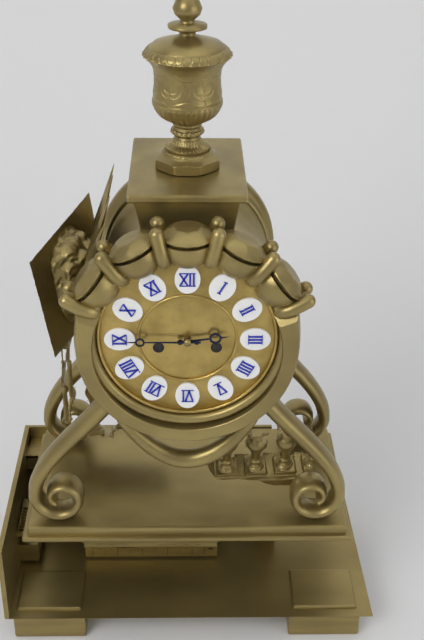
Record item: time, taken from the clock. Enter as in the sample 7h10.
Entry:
2h45
